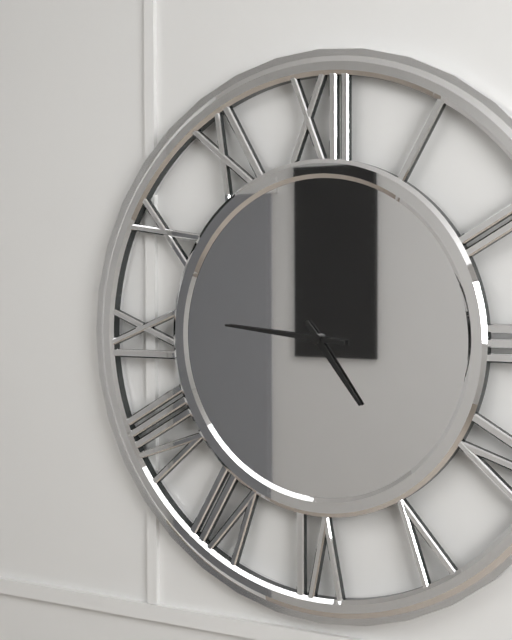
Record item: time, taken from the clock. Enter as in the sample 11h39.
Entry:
4h46
